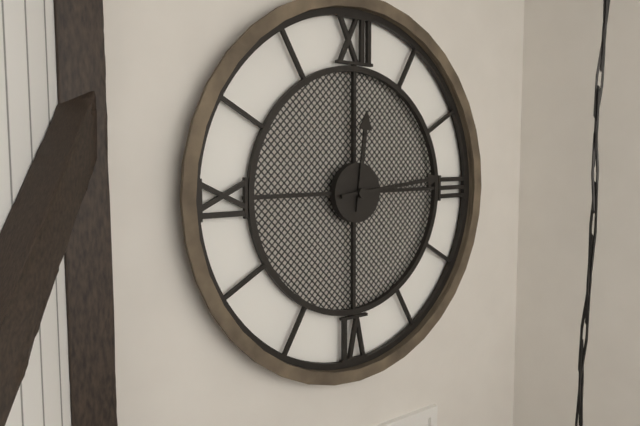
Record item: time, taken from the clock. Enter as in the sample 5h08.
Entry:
12h14
